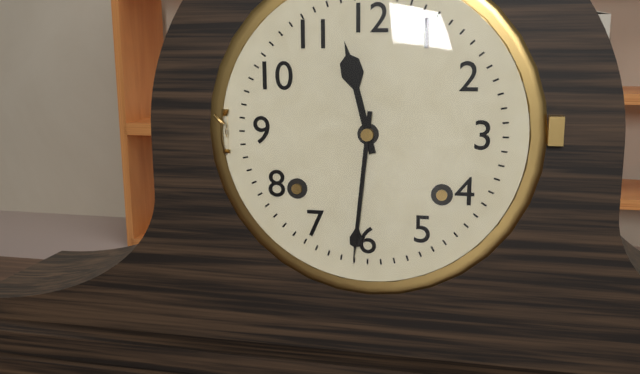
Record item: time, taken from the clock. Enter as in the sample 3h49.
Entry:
11h31
